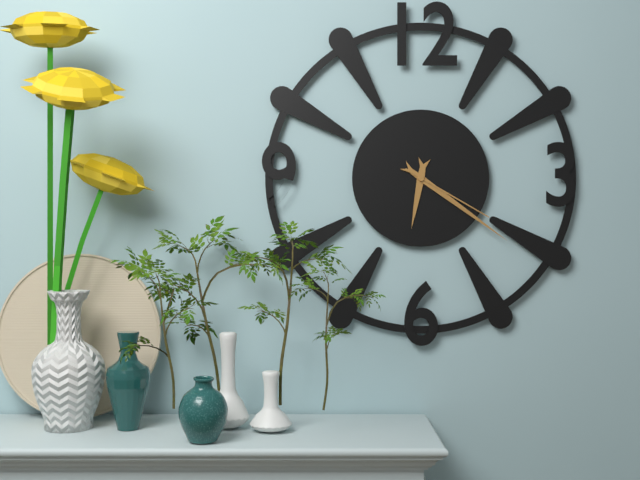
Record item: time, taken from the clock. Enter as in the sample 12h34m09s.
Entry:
6h21m20s
